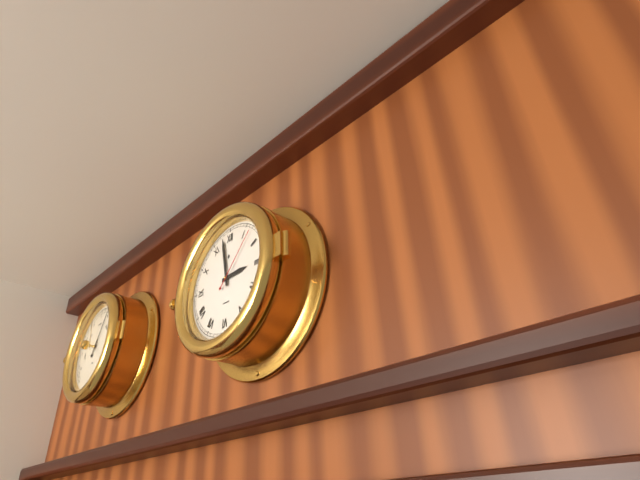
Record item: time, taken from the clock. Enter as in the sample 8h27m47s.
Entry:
2h58m07s
